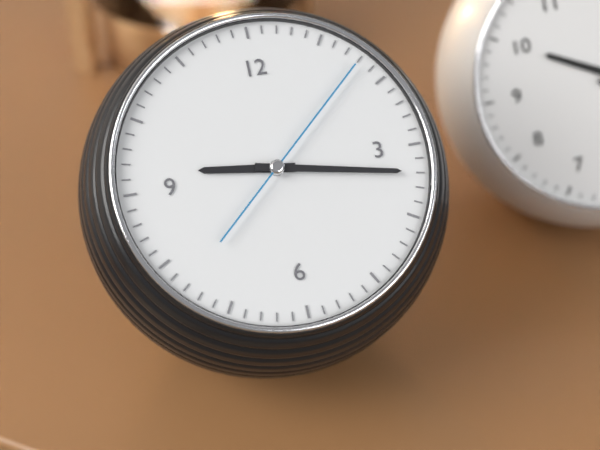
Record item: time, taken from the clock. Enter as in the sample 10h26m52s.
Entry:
9h17m08s
